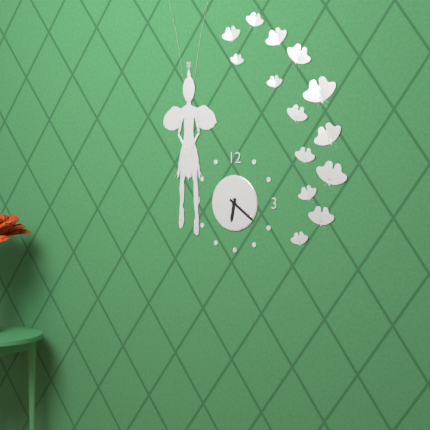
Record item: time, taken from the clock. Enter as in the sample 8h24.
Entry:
6h21
